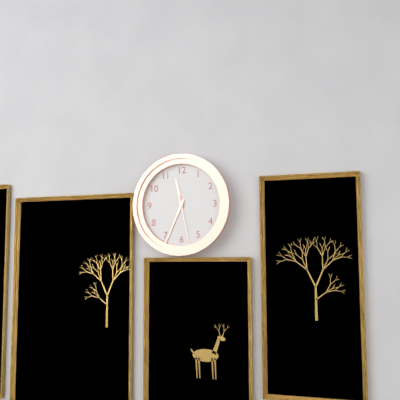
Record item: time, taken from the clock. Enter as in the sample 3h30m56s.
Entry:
11h34m28s
